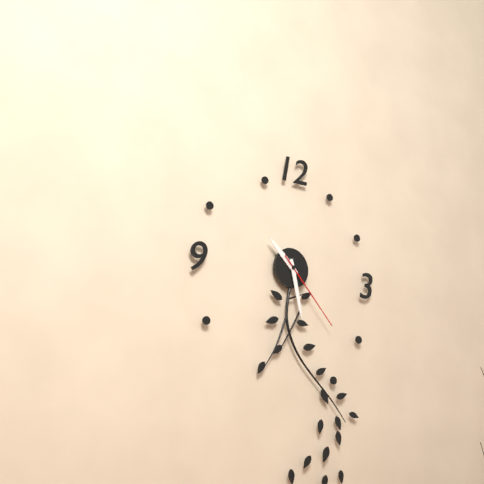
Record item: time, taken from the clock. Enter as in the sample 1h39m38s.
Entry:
10h28m23s
